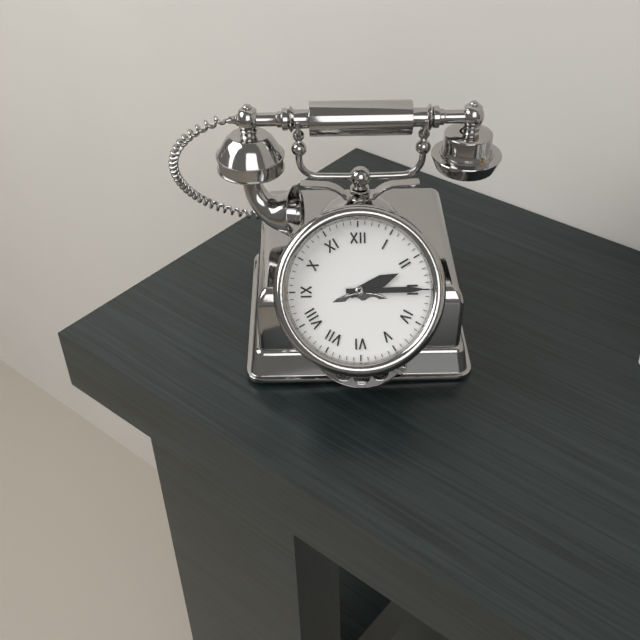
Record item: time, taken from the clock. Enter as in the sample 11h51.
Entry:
2h15
